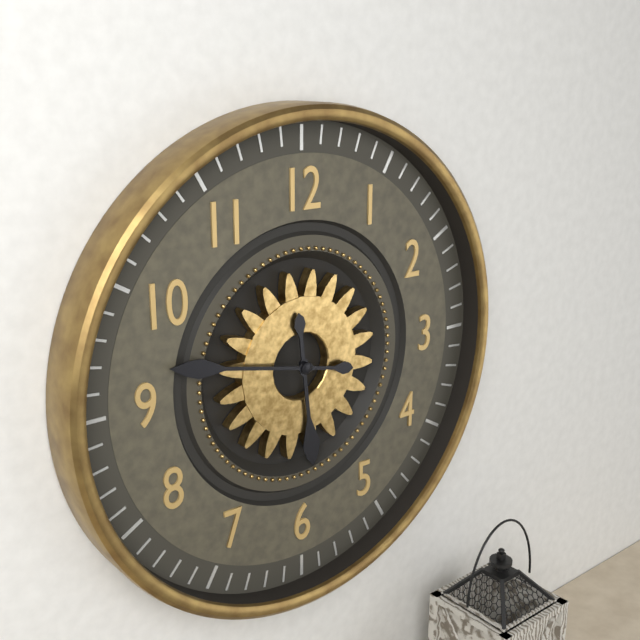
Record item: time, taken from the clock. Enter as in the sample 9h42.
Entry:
5h47
